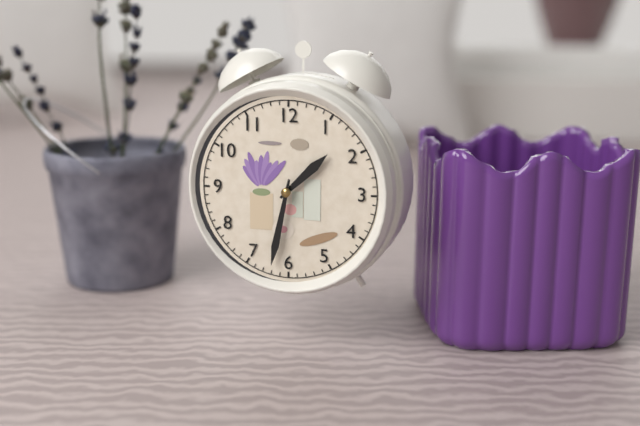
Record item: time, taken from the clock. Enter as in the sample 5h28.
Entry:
1h32
